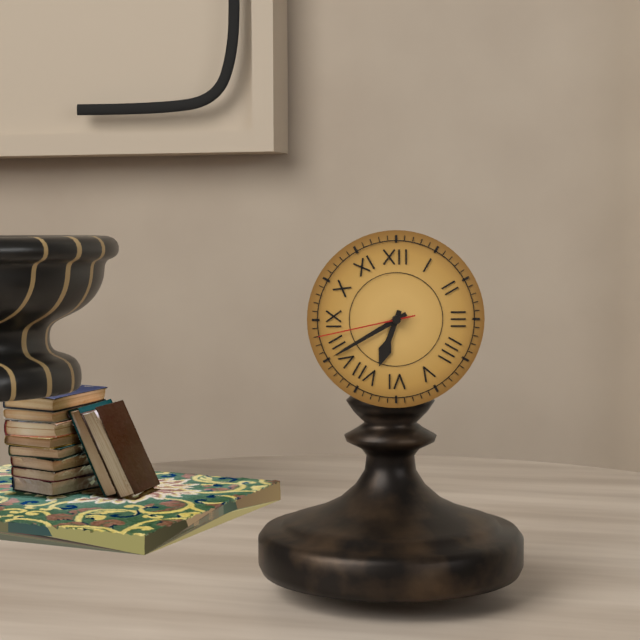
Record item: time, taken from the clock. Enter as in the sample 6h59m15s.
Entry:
6h40m43s
